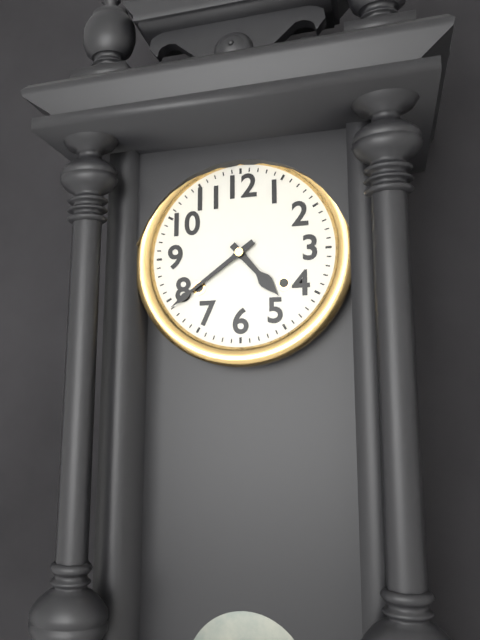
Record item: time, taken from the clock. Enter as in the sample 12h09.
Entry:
4h39
